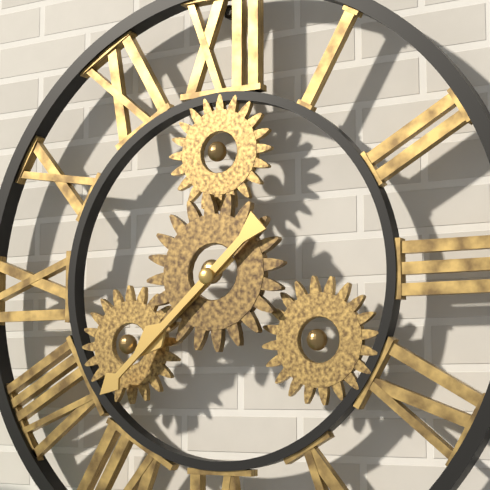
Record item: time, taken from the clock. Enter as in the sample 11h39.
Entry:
7h38
